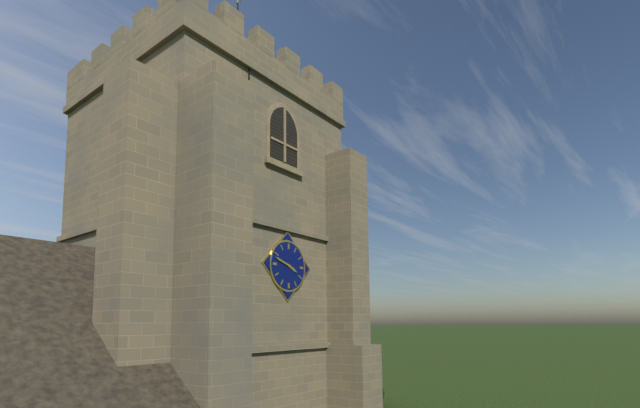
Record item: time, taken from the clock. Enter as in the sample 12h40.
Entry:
3h48
